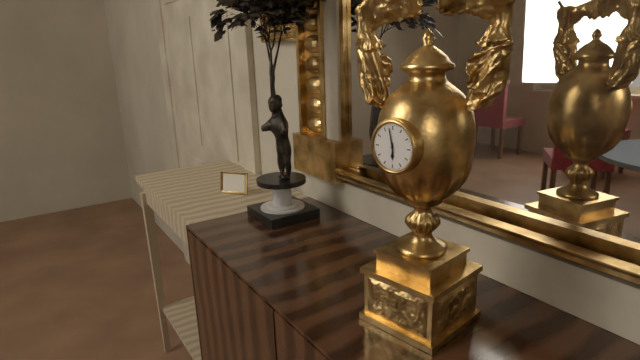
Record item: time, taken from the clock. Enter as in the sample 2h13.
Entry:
5h58
